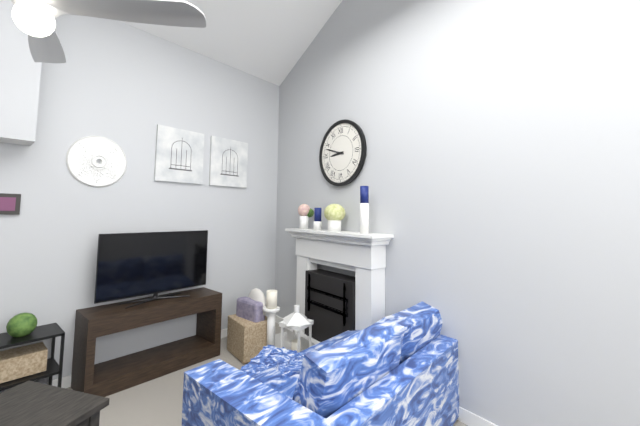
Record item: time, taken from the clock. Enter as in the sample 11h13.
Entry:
8h48
